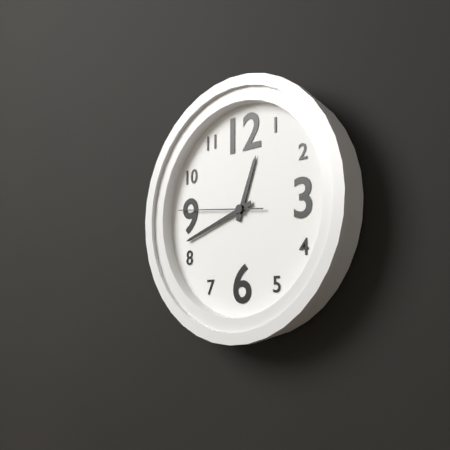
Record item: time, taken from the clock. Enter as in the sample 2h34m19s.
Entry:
12h42m46s
